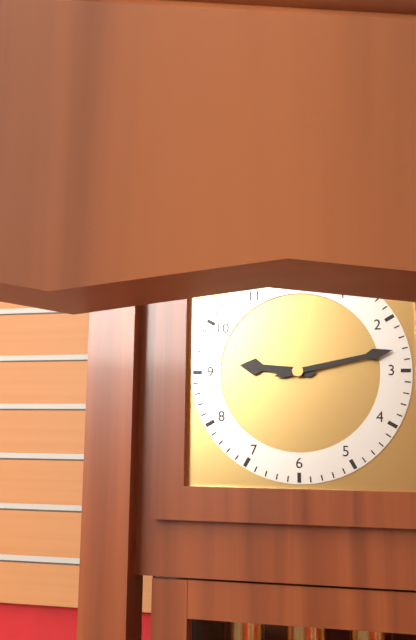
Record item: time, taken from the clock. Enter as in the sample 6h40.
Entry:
9h13
